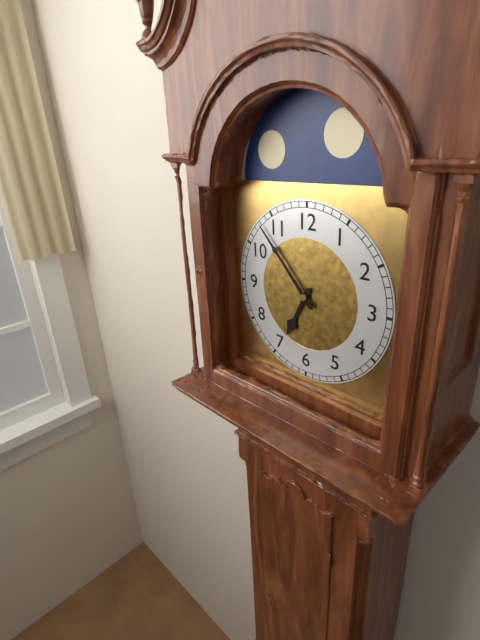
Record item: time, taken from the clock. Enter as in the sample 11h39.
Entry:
6h53
